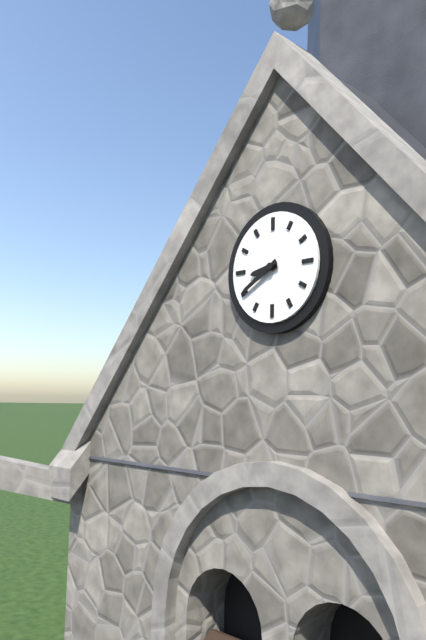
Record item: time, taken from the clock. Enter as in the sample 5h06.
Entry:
8h40
